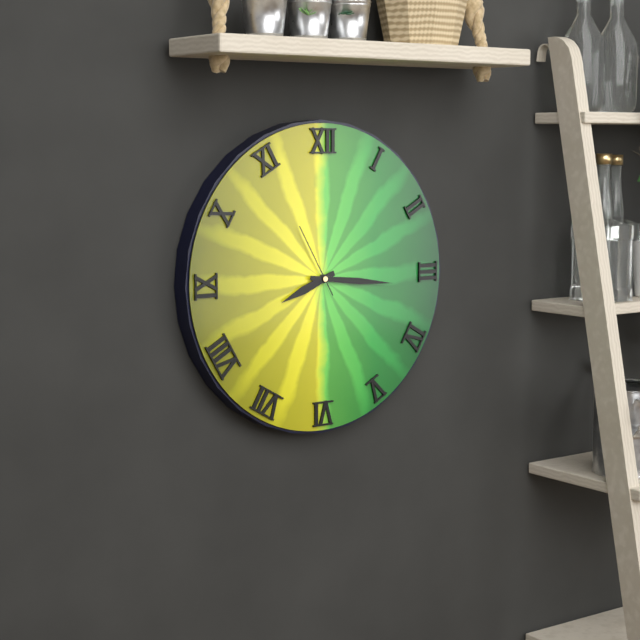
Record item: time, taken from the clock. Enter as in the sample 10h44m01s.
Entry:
8h16m55s
